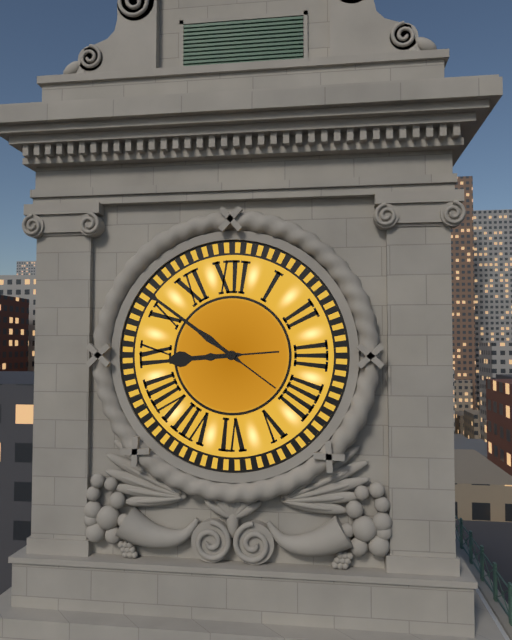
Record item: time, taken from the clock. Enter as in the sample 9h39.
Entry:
8h51
